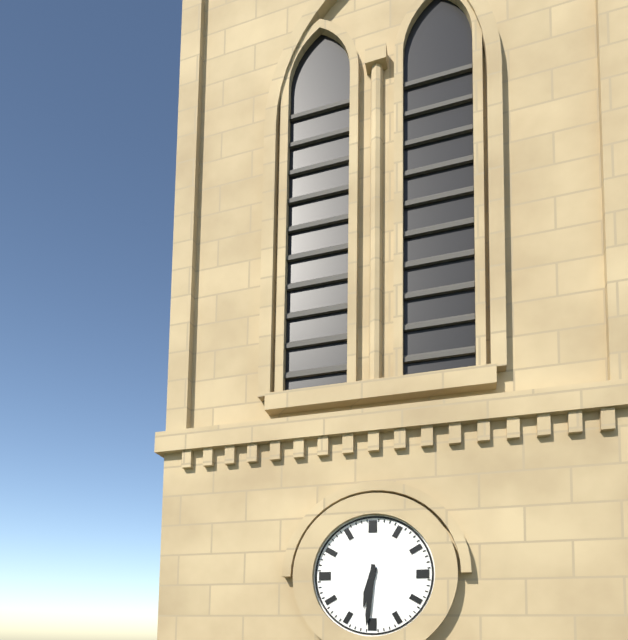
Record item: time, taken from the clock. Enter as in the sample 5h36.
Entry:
6h31
